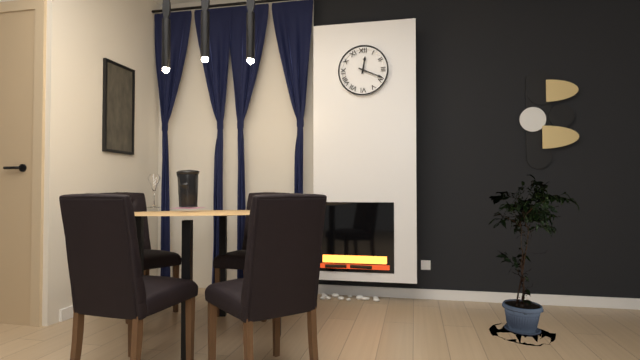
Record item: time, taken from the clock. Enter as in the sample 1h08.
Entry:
12h19
